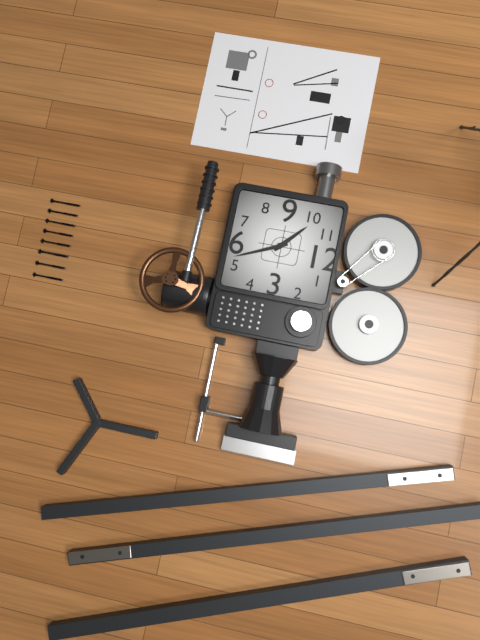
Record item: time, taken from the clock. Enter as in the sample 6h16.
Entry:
10h26
